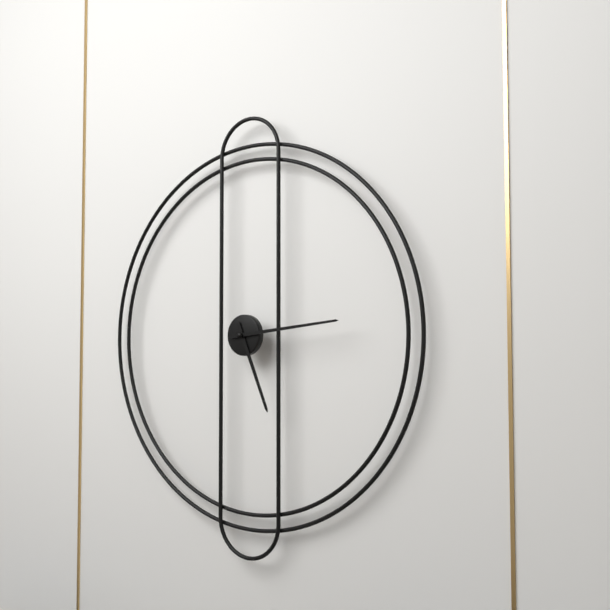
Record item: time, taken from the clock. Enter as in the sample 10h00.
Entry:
5h14
